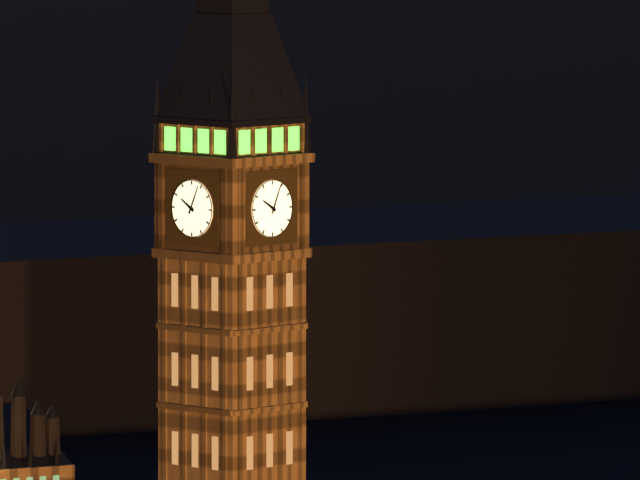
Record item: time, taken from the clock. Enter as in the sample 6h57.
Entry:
10h04
